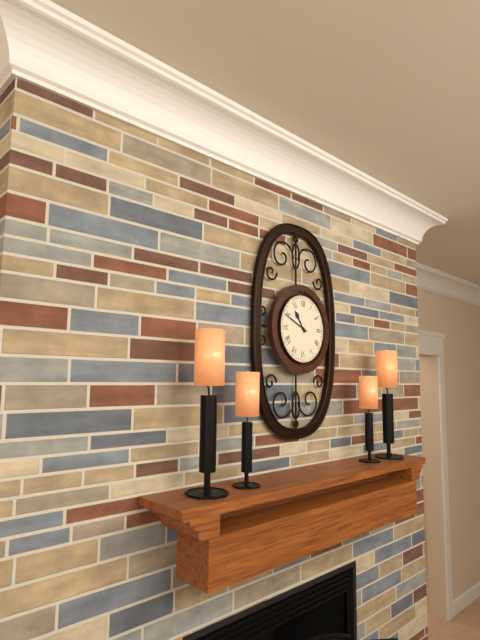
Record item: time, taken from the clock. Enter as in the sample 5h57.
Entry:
10h49
